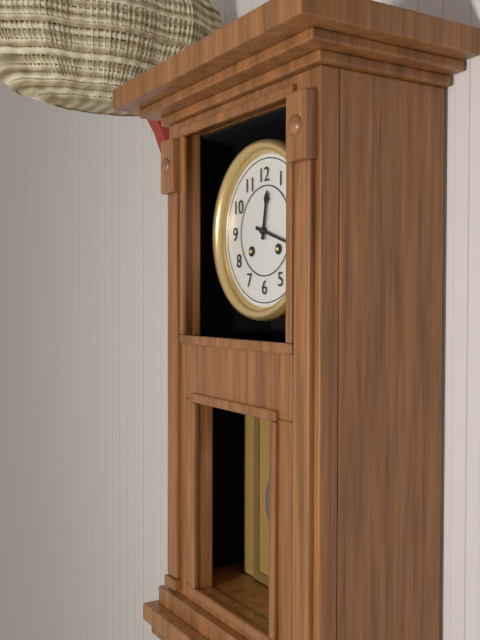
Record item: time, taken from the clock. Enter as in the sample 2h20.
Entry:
12h18
